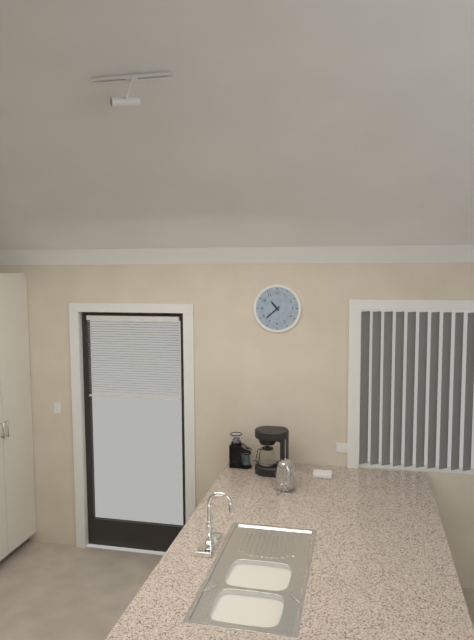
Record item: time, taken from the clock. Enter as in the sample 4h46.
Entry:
10h38
